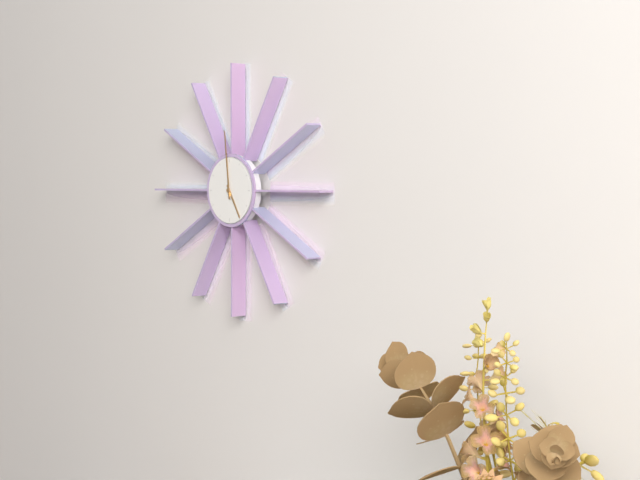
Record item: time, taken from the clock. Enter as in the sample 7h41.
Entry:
4h59
